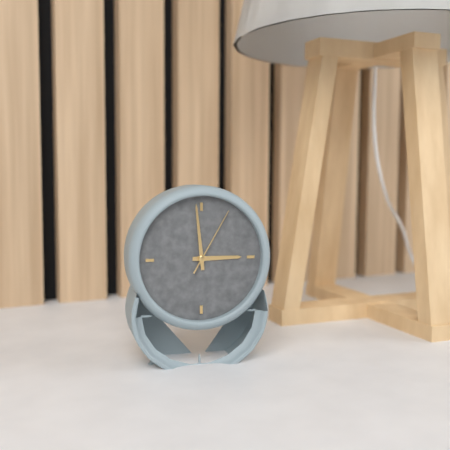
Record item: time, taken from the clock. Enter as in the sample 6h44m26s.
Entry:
2h59m05s
